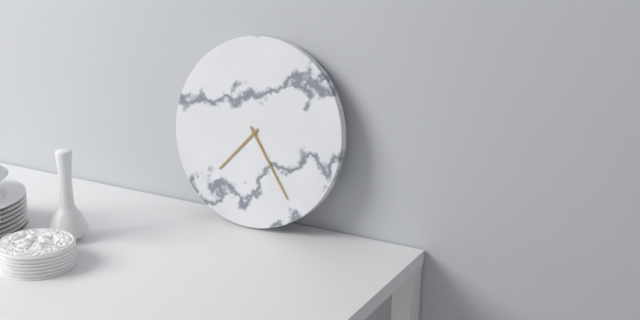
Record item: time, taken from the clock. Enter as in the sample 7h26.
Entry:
7h24
